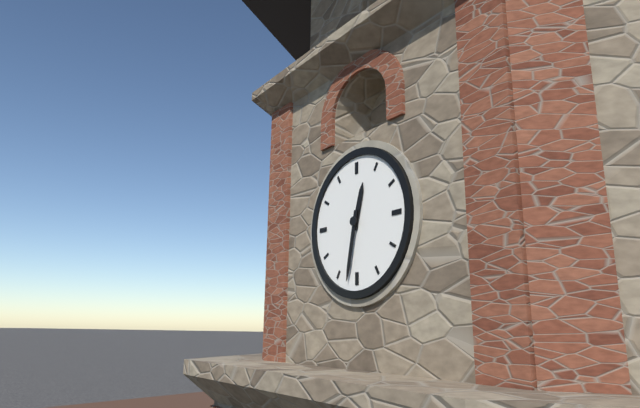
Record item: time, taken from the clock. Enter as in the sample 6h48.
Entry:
12h32
